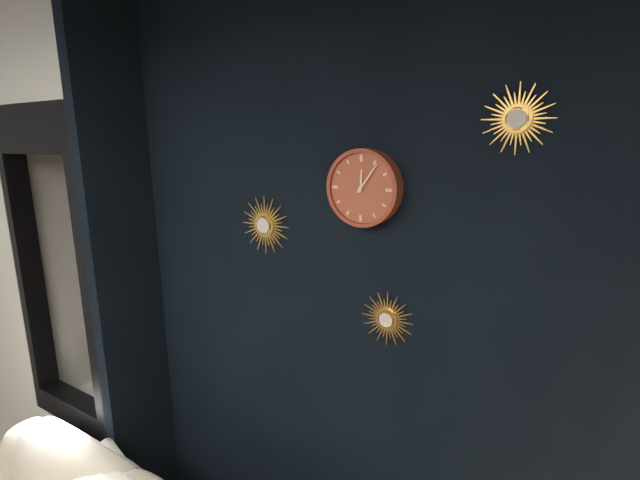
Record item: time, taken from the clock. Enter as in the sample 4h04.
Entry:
12h06
